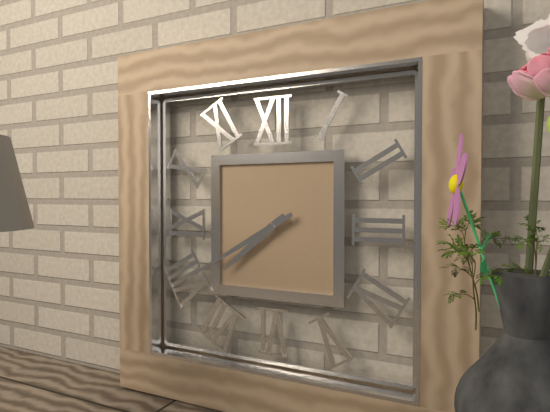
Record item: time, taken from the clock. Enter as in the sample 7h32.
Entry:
7h40
